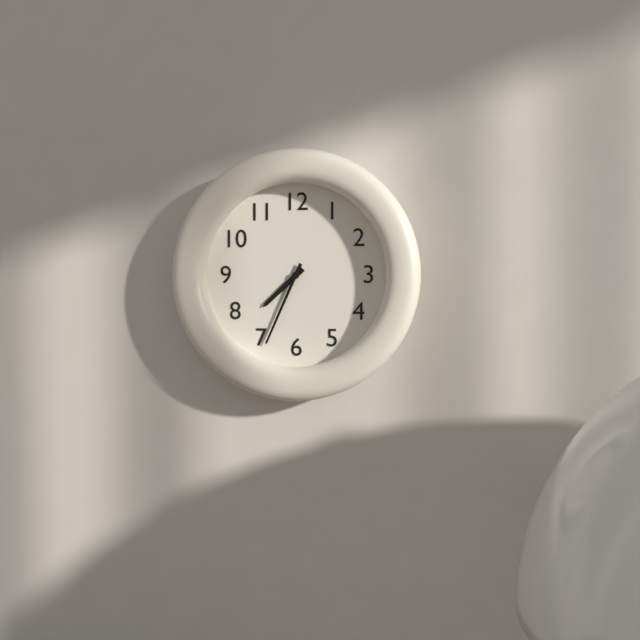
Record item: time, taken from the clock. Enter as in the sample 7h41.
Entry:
7h34
